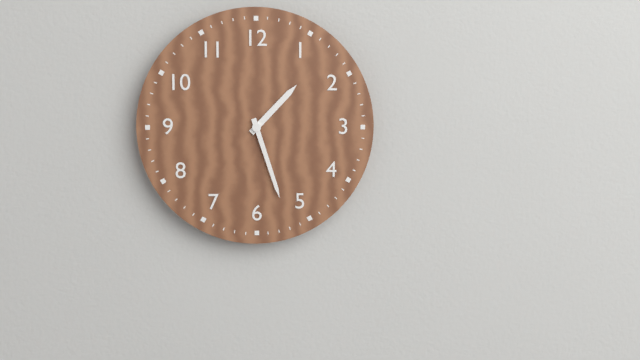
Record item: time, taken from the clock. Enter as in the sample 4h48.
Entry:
1h27
